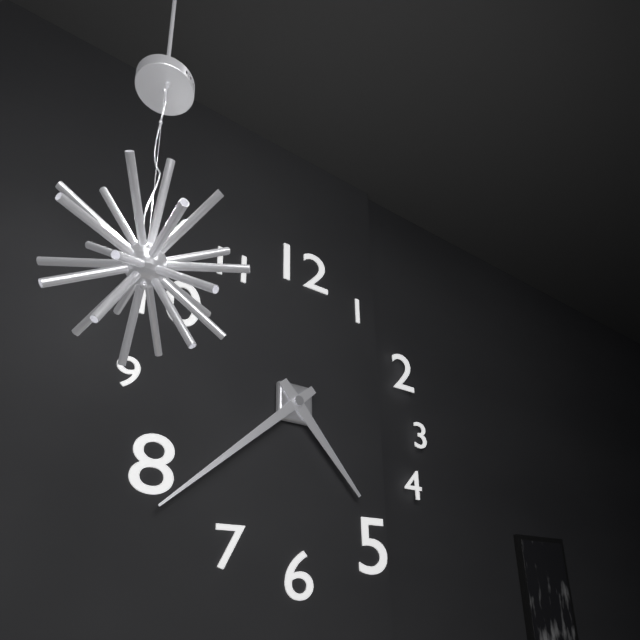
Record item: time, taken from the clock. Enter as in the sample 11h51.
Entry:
4h38
